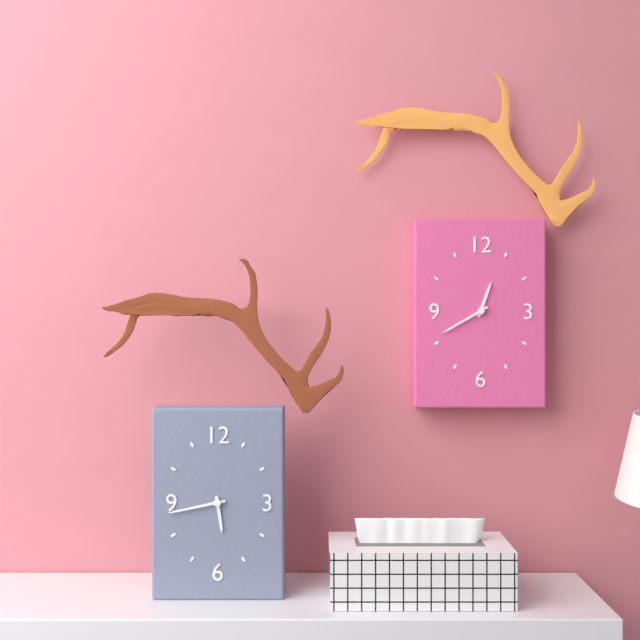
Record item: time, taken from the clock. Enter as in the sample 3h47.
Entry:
5h43
